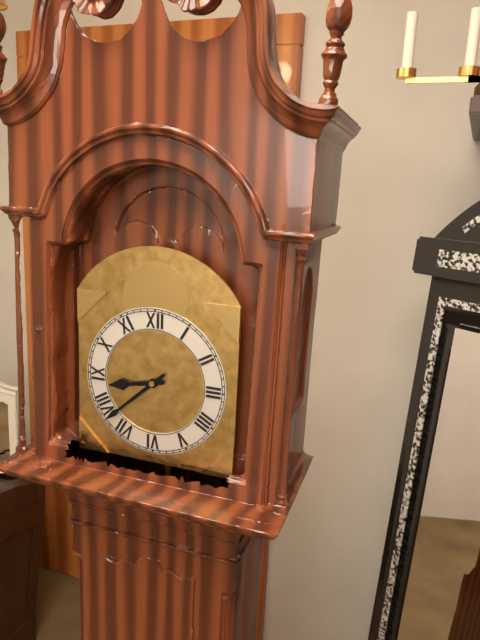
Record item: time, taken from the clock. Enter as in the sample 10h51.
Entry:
8h38
